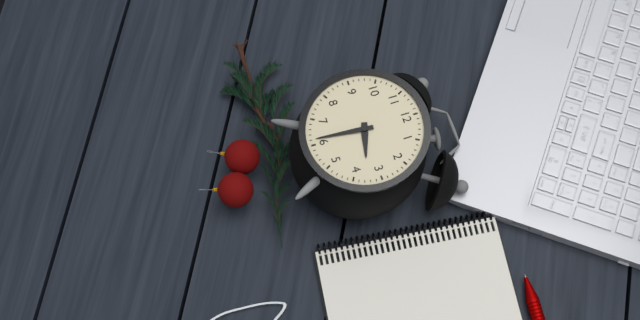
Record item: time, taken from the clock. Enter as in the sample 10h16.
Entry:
3h31
